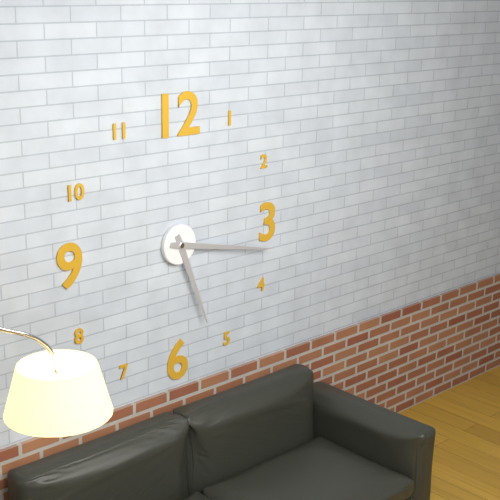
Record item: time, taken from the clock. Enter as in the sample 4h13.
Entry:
5h17
